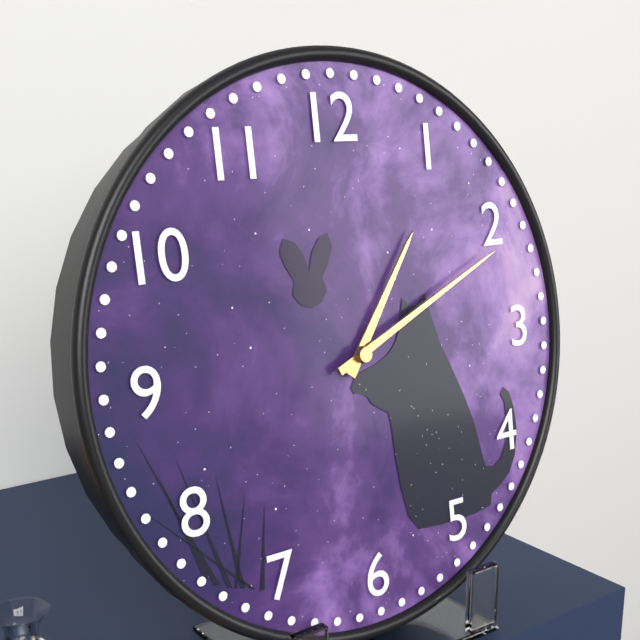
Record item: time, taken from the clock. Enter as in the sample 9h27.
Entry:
1h11
